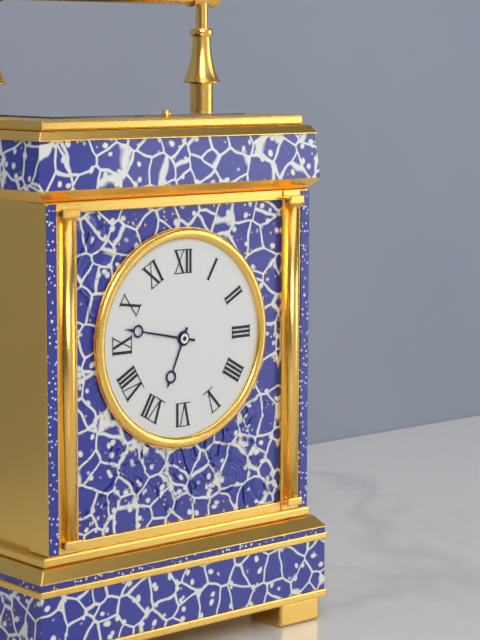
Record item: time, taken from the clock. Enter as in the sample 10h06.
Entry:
6h47
